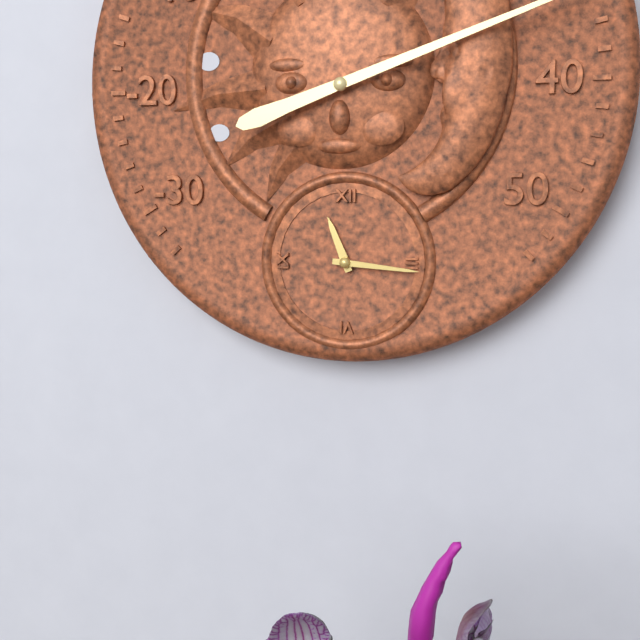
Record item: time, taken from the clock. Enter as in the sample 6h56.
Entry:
11h16
